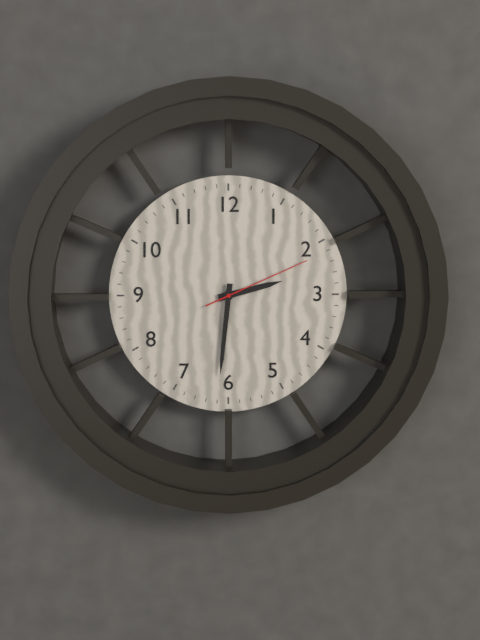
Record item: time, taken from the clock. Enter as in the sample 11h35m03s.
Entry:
2h31m11s
